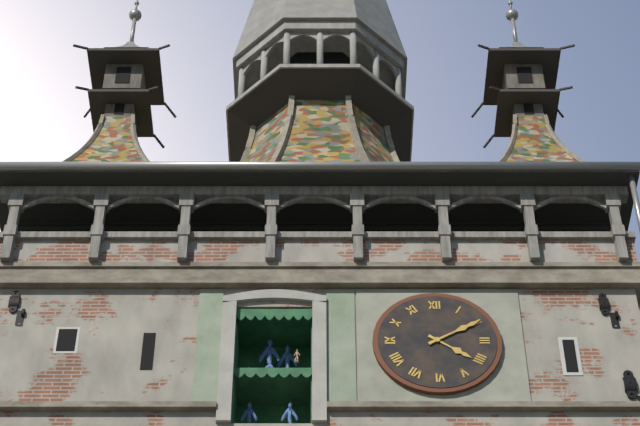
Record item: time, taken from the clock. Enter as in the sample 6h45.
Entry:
4h10
